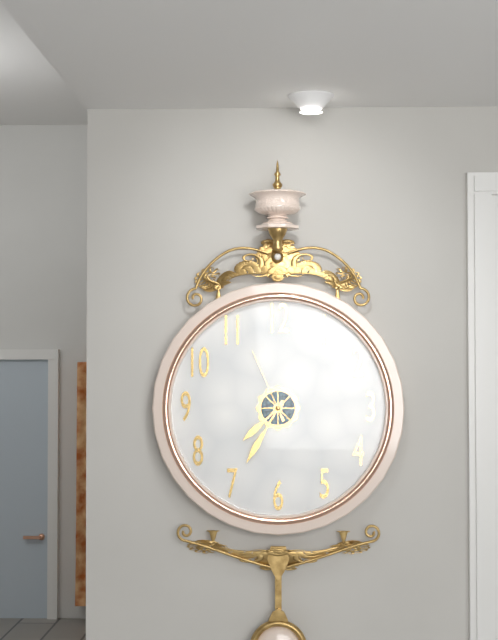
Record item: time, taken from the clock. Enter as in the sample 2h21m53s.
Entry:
7h35m56s
